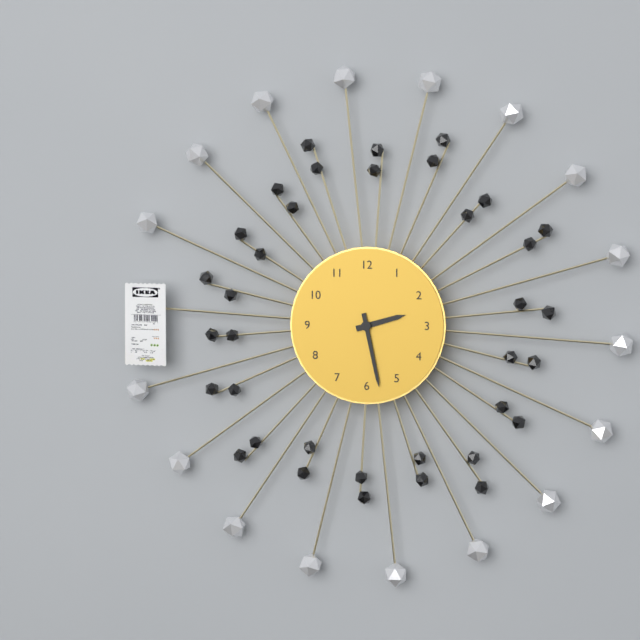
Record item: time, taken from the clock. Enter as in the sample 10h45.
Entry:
2h28
